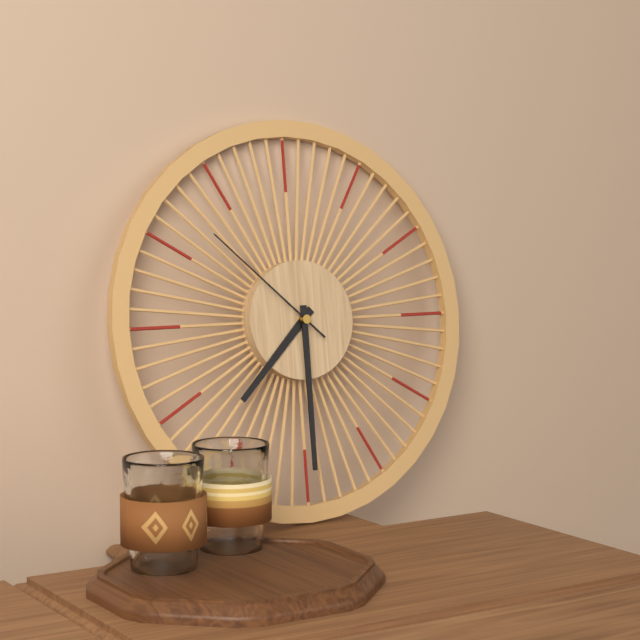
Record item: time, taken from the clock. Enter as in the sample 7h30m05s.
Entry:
7h30m52s
